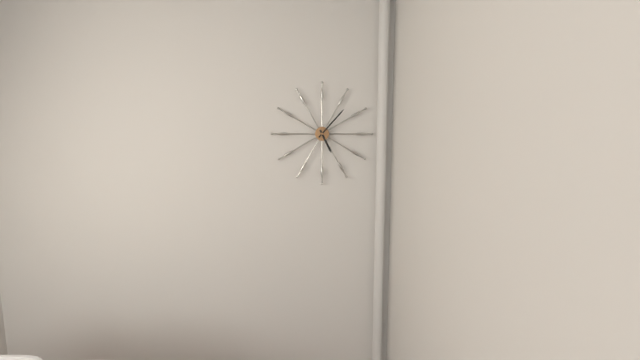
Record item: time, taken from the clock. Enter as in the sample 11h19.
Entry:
5h07
